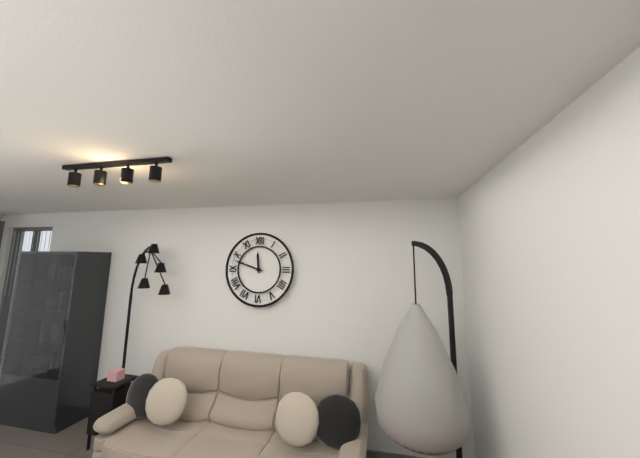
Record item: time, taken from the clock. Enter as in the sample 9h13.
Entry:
11h48
